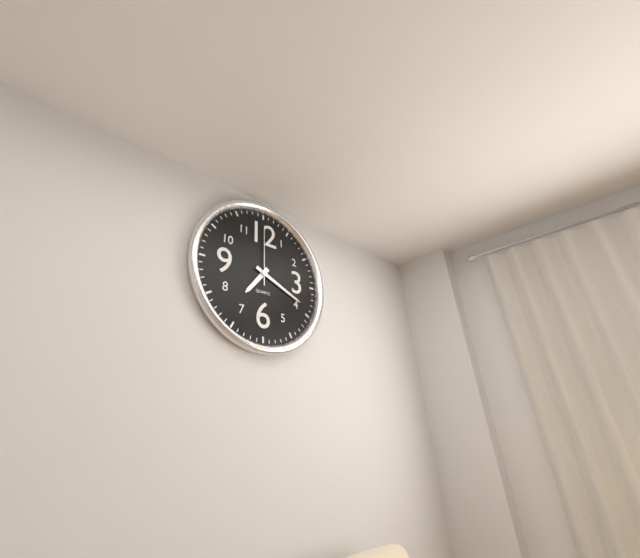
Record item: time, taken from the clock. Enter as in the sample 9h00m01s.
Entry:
7h19m00s
